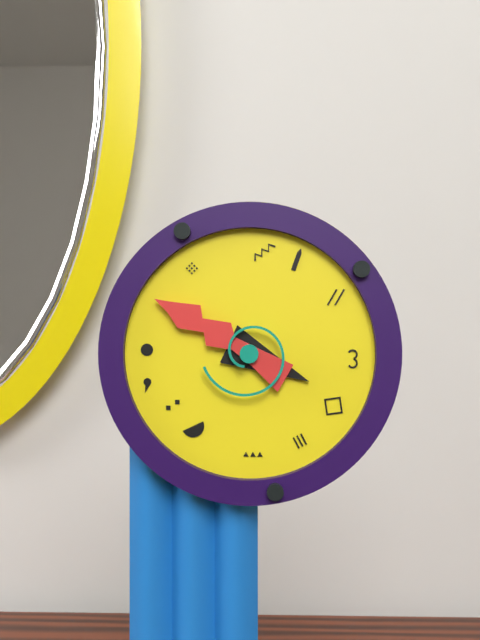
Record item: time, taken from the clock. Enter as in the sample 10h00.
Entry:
3h50
